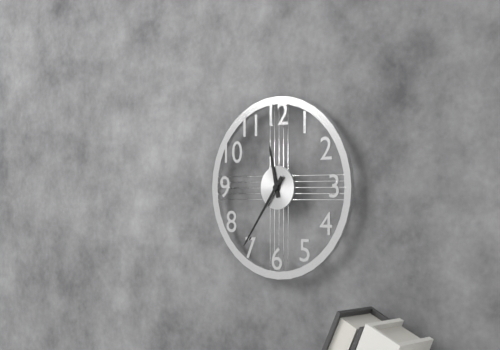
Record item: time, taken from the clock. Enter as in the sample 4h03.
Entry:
11h36
